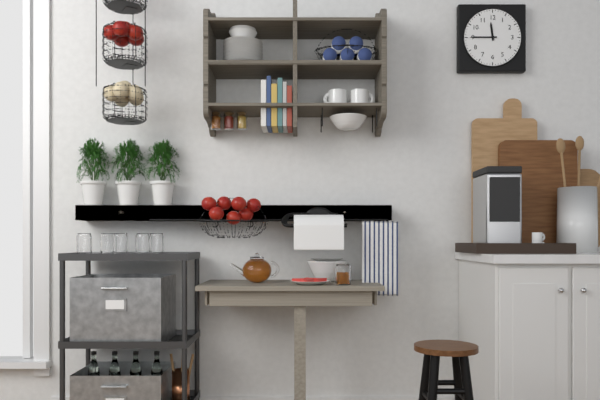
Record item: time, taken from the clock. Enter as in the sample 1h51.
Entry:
11h45
